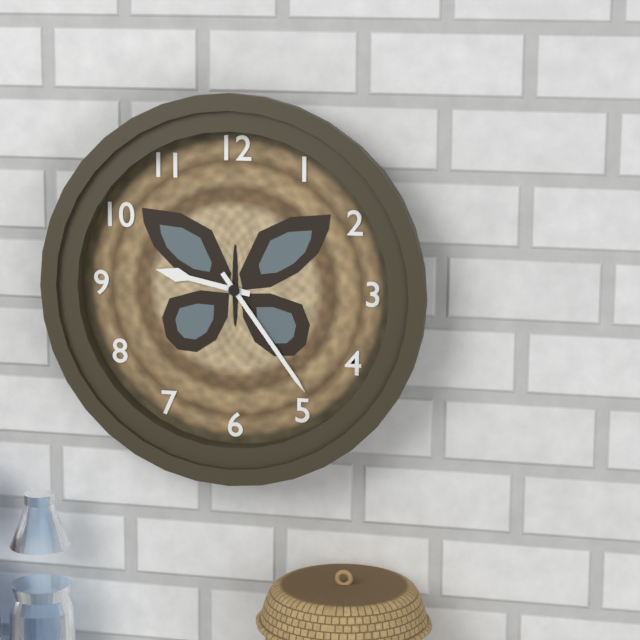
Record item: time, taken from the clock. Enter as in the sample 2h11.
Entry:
9h24
